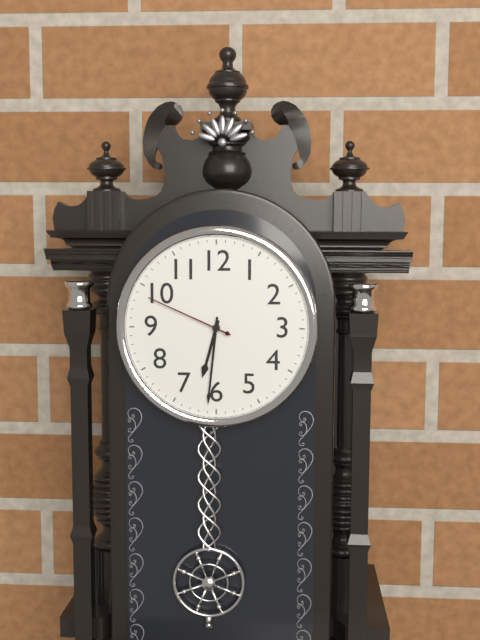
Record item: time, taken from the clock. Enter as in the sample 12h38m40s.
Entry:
6h31m49s
